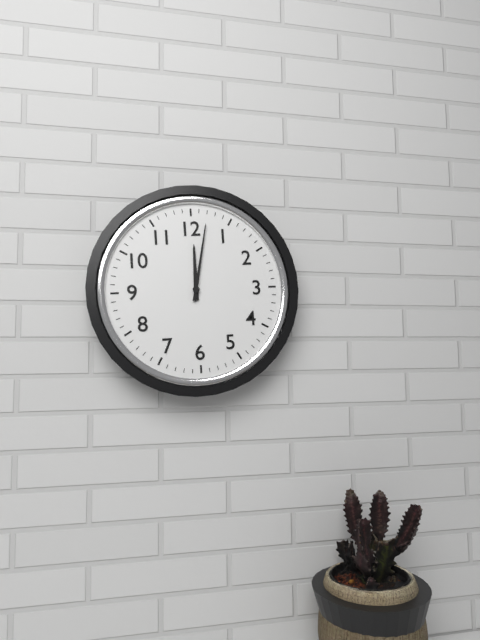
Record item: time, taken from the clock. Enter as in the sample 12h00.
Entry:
12h02
